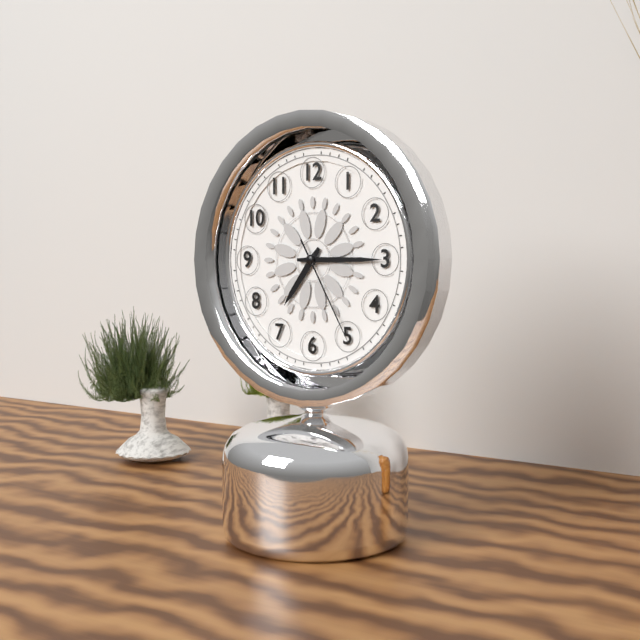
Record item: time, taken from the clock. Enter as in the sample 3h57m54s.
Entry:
7h15m25s
